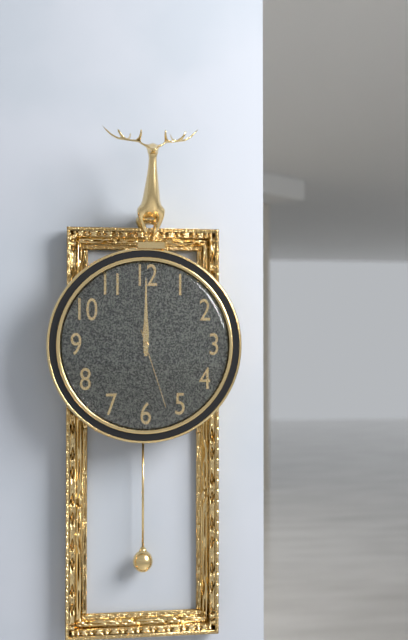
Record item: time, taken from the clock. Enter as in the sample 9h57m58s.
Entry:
12h00m27s
